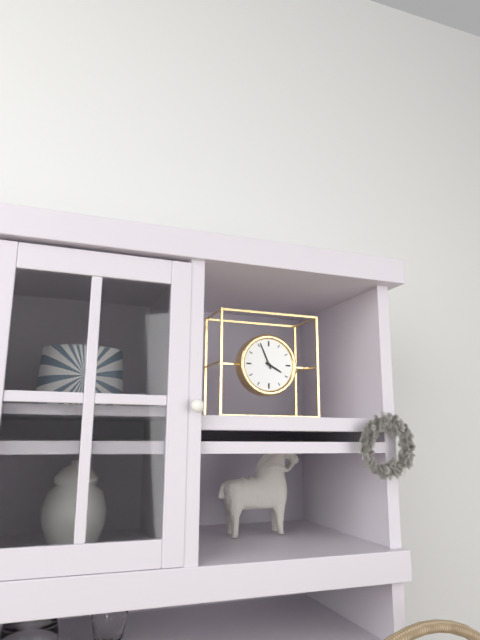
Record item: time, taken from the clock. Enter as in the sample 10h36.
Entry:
3h56
